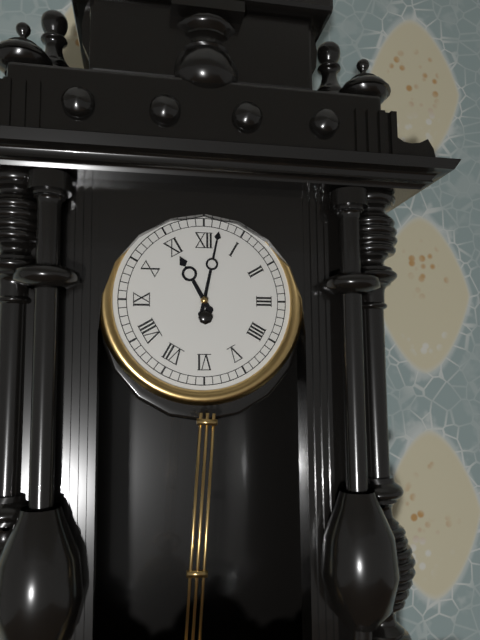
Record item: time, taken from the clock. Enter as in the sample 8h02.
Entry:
11h02
